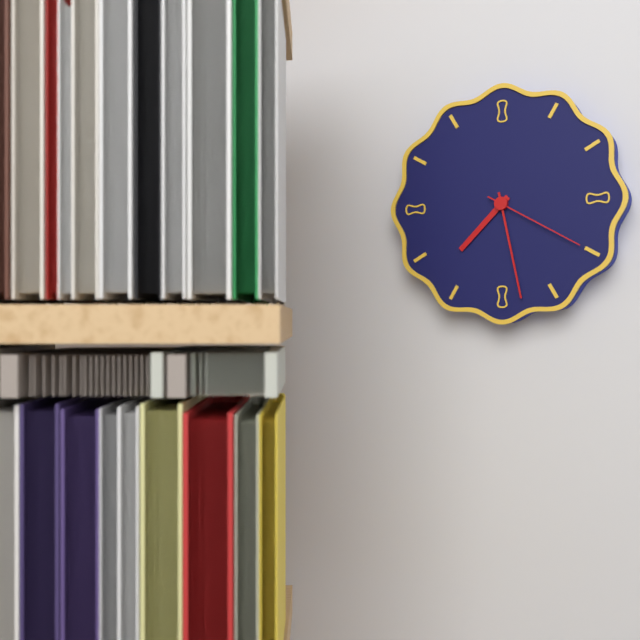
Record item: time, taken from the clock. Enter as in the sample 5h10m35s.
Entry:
7h28m20s
